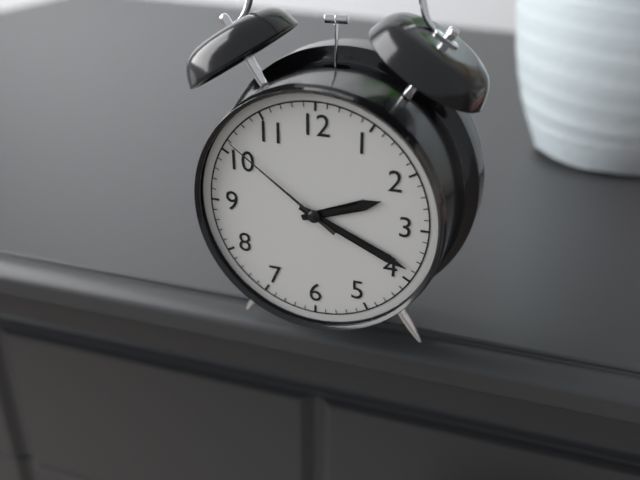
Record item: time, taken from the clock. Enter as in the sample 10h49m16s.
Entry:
2h19m51s
